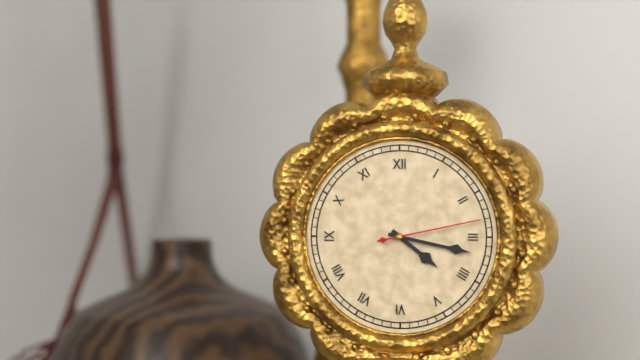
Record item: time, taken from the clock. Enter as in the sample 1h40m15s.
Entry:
4h17m13s
